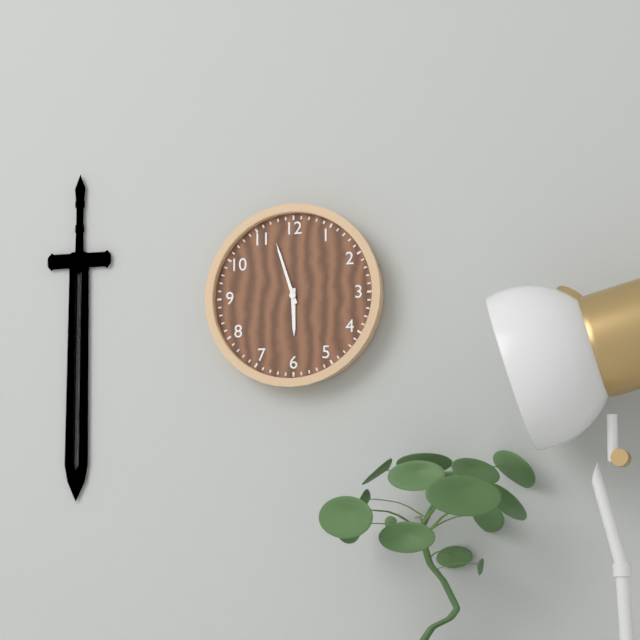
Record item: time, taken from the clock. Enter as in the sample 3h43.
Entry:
5h57
